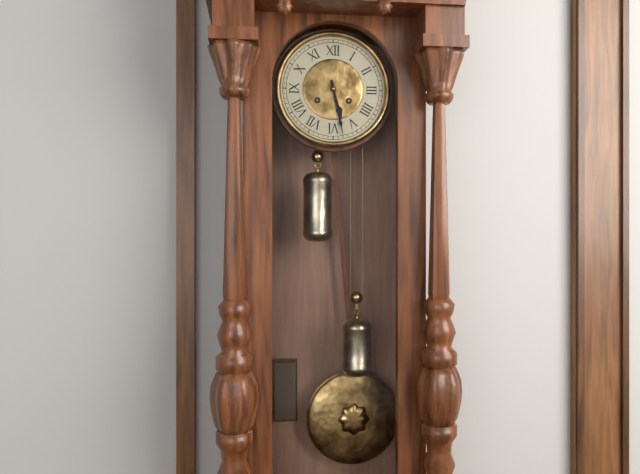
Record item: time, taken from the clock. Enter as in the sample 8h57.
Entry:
5h28
